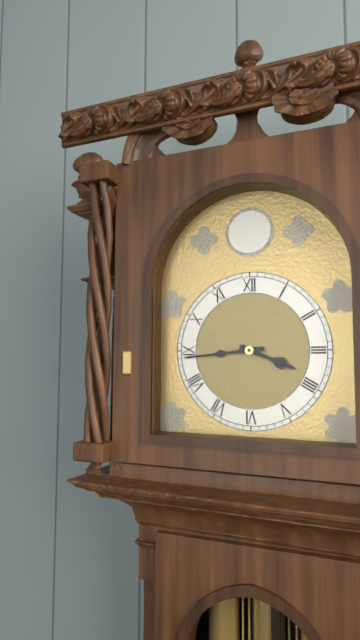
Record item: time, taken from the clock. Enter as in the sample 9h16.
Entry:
3h44
